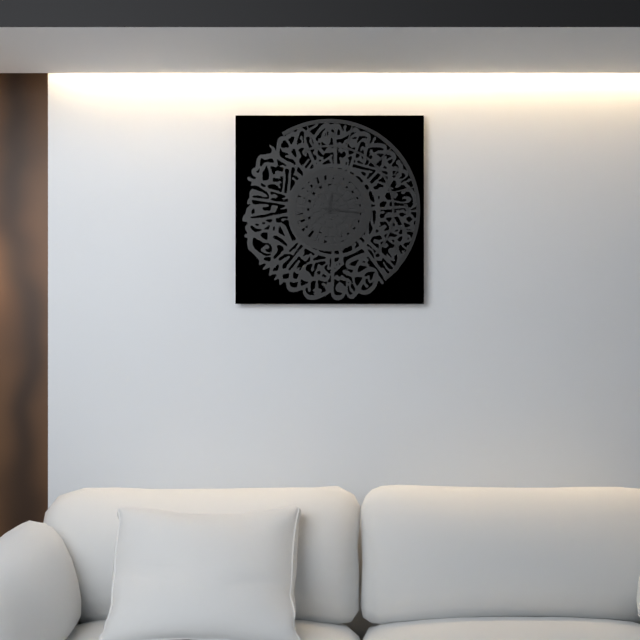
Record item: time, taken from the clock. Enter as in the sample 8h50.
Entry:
12h16
